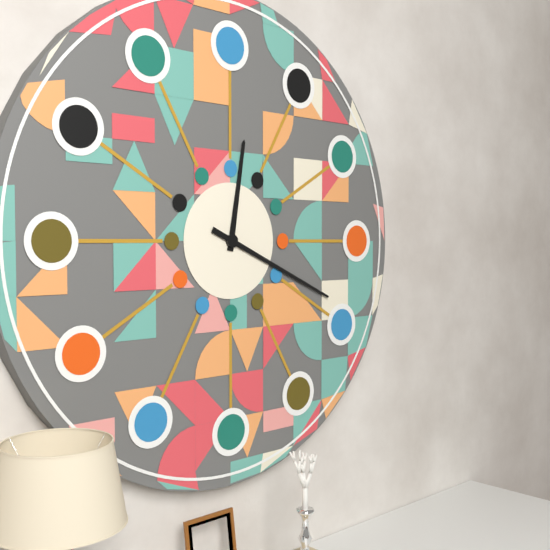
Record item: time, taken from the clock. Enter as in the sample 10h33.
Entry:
12h19
